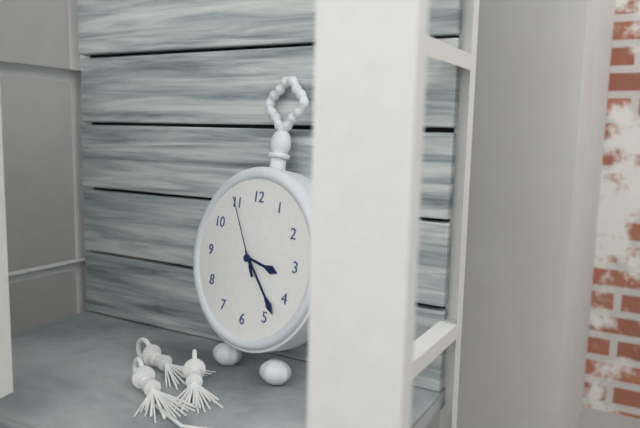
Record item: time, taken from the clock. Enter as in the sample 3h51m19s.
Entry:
3h23m55s
